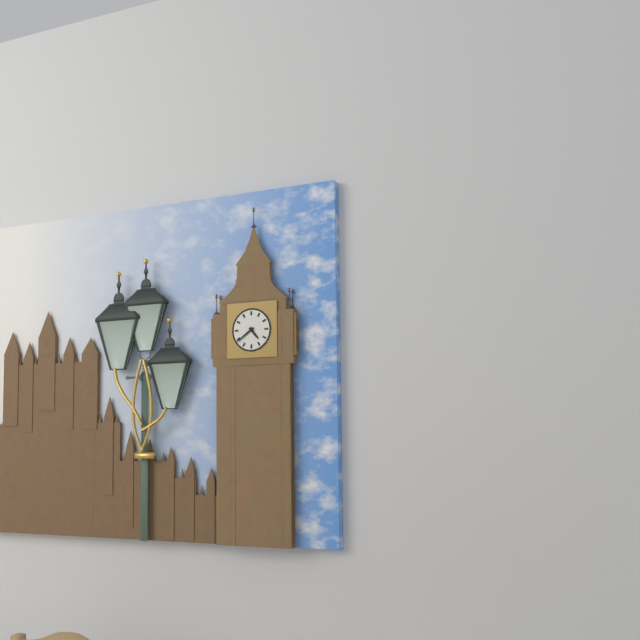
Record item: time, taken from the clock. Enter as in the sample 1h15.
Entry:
4h39
